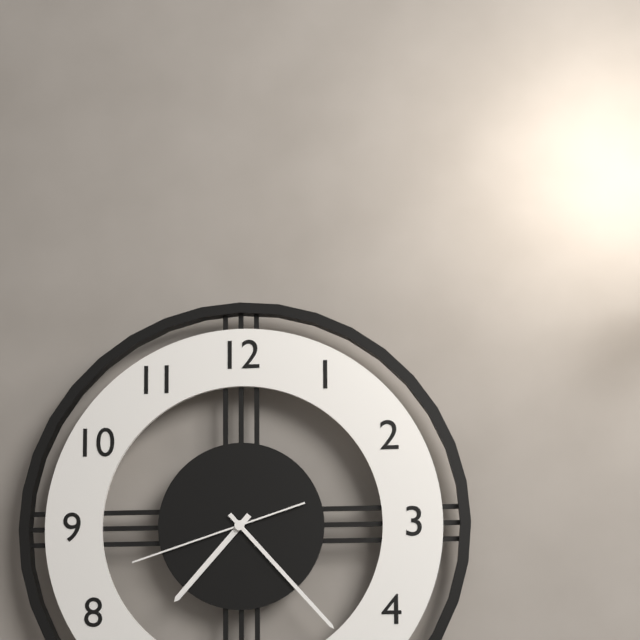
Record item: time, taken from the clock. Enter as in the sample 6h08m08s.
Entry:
7h23m42s
